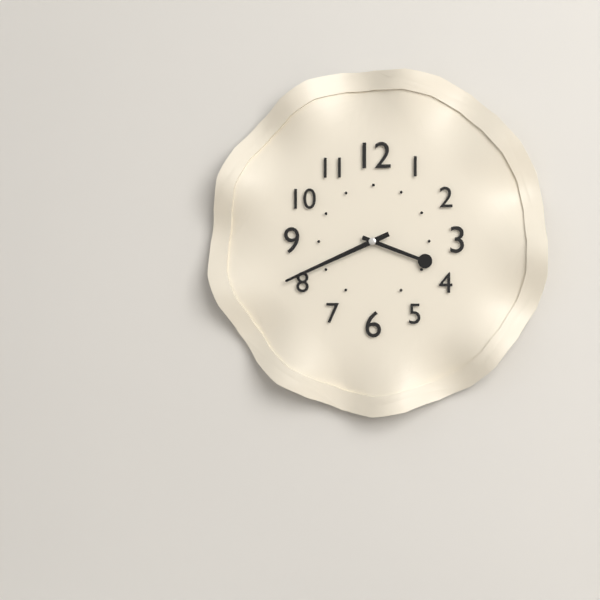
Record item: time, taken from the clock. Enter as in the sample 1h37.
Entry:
3h41
